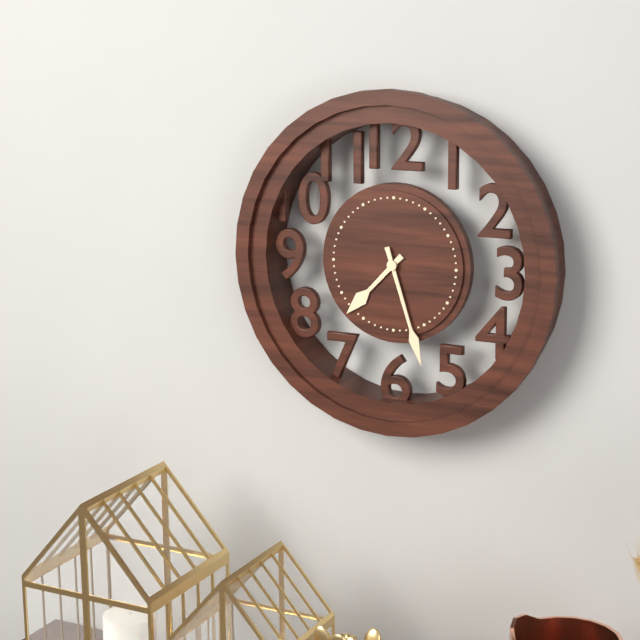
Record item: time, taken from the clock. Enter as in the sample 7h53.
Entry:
7h27
